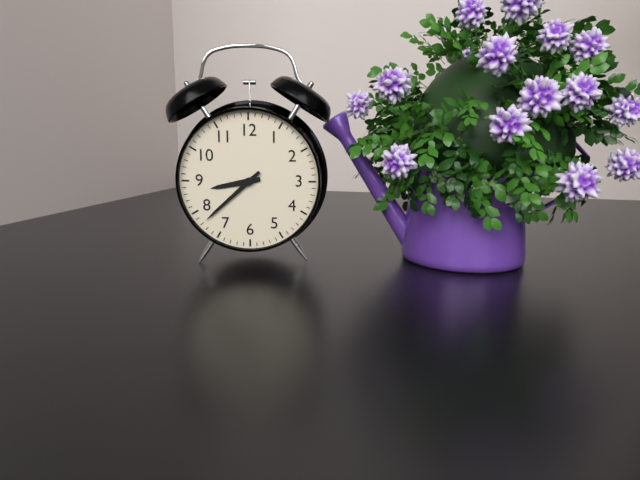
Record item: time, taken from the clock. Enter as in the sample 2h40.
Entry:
8h38
